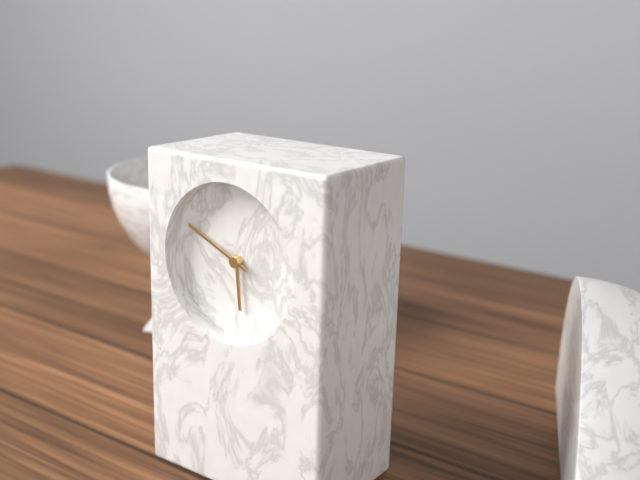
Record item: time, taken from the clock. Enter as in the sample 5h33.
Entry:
5h49
